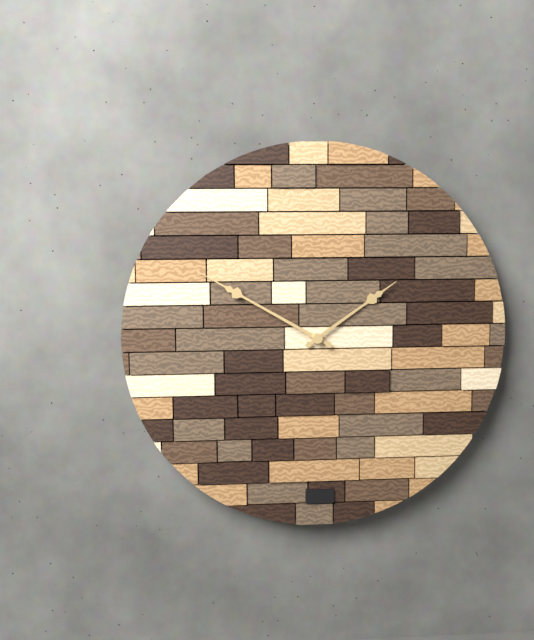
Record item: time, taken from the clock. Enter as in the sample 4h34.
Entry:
1h50
